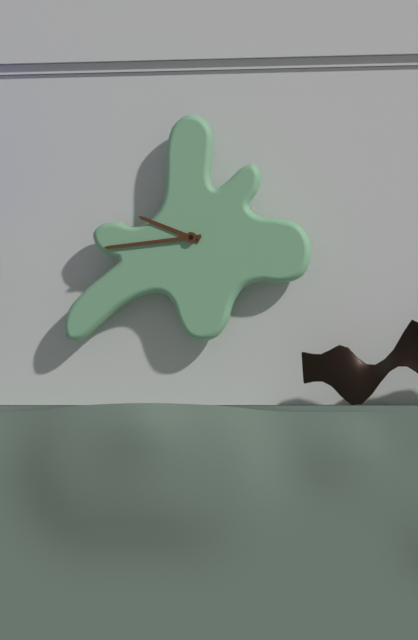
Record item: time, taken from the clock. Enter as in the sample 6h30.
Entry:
9h44
